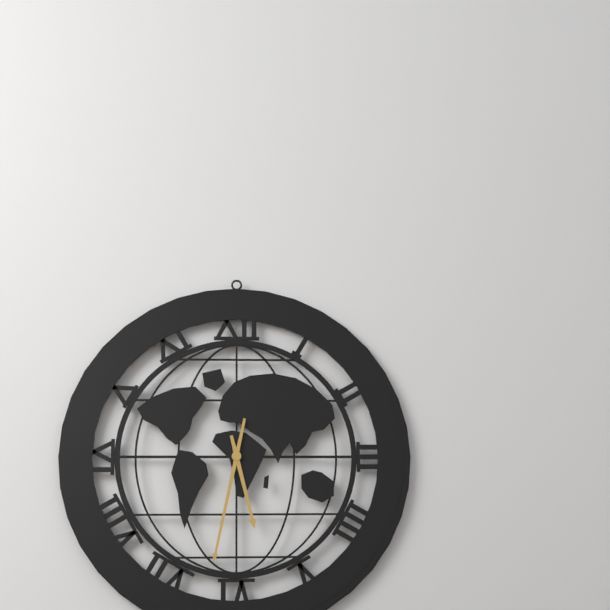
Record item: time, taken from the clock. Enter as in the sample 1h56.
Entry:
5h32
